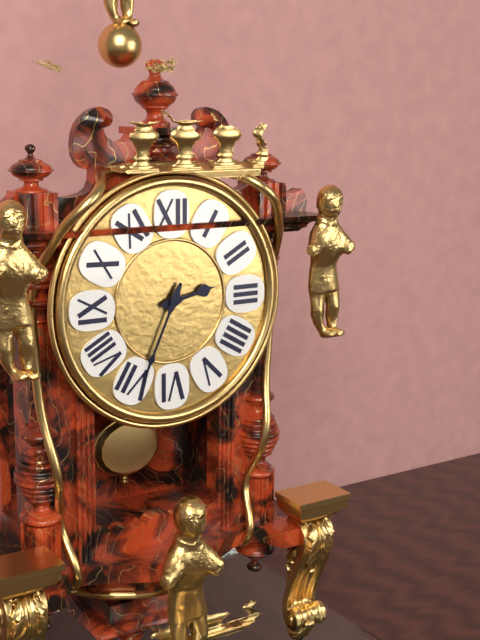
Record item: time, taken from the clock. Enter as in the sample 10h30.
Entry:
2h34
